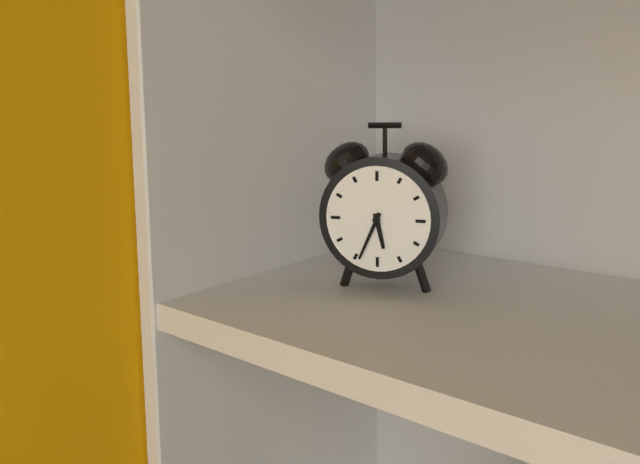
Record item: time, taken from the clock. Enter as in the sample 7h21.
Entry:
5h34
